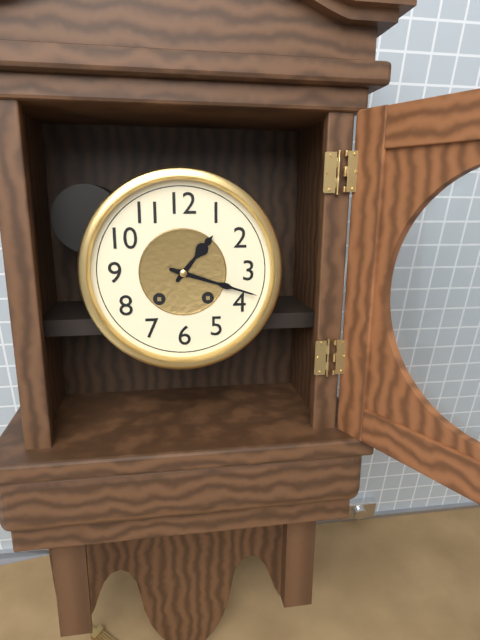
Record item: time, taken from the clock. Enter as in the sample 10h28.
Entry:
1h18
